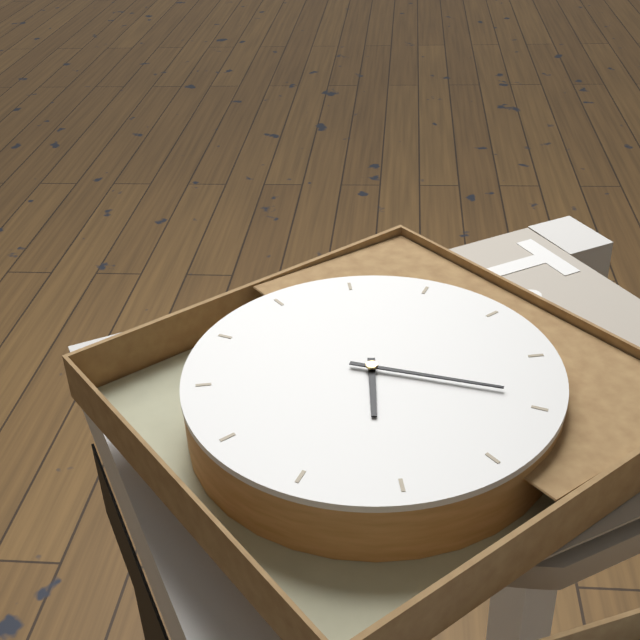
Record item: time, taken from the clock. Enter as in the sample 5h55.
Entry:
5h14
